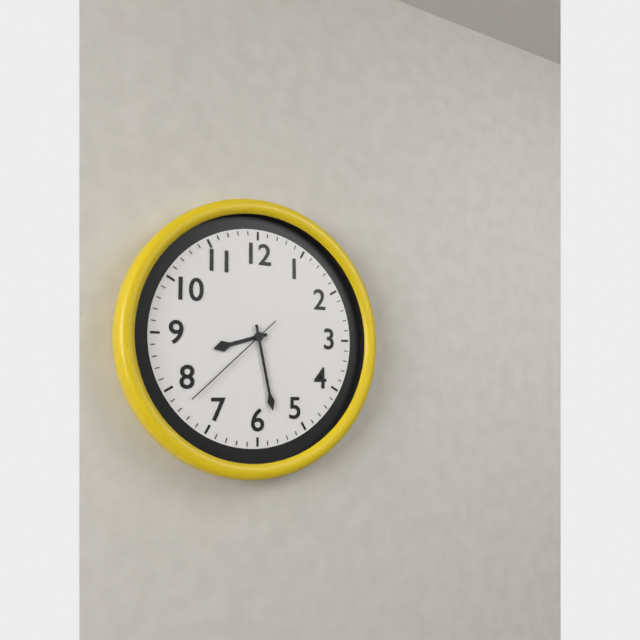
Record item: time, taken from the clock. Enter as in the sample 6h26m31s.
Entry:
8h28m38s
